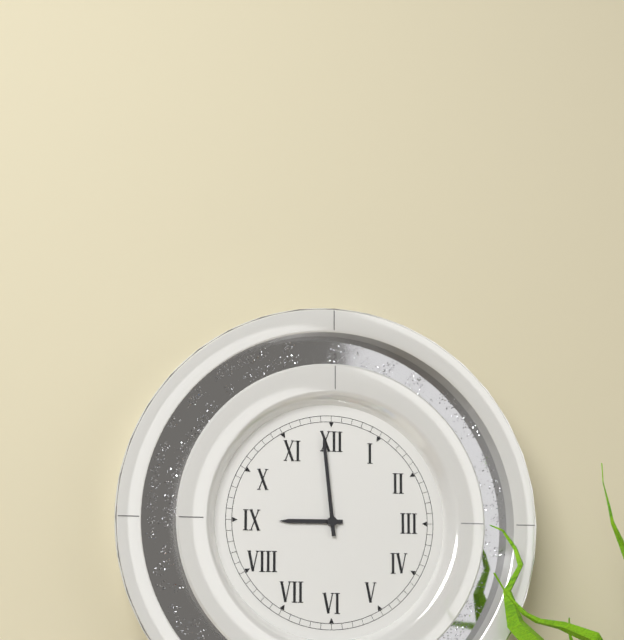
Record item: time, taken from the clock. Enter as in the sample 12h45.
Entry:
8h59
